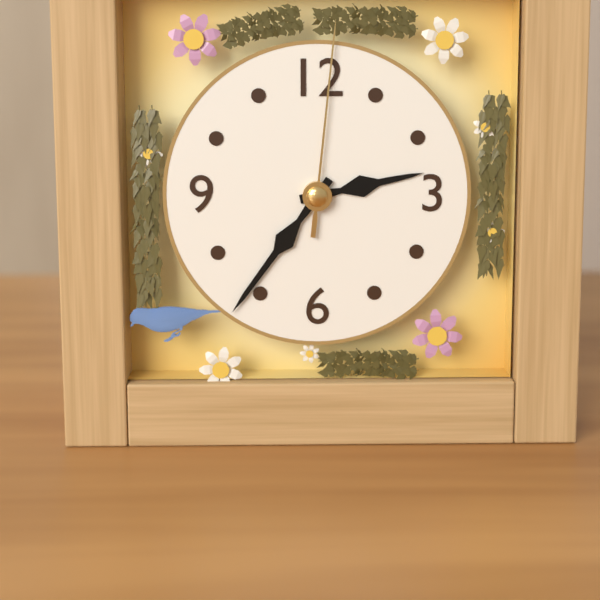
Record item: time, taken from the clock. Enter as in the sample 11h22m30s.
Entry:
2h36m01s
